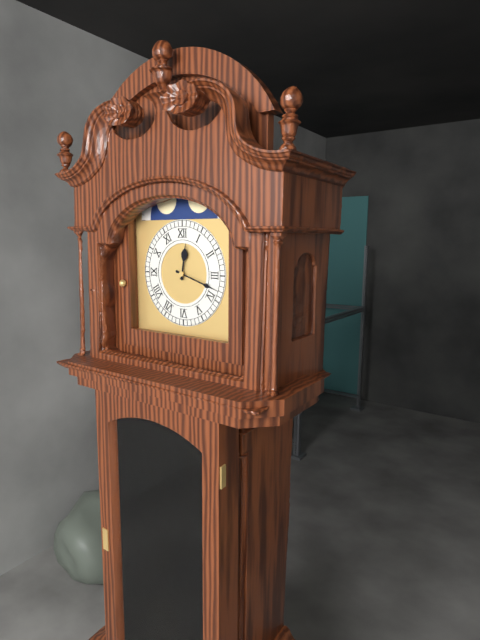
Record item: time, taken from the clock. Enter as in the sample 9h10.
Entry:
12h18
